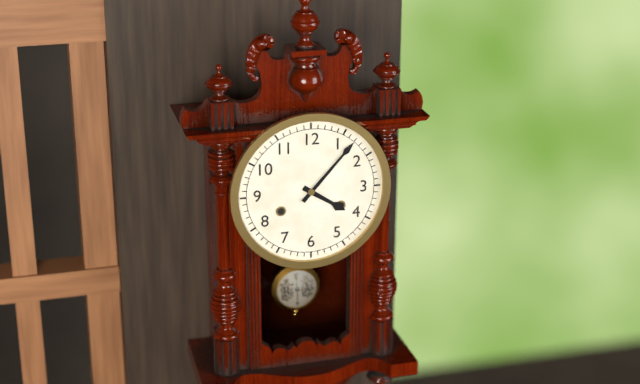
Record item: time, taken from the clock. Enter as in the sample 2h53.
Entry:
4h07
